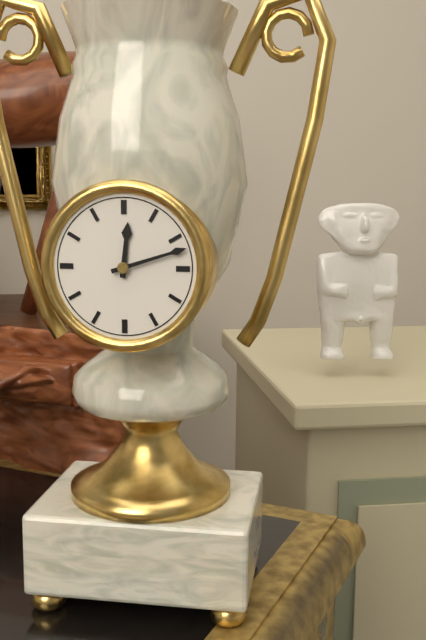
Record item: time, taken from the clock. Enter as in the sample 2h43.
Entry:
12h12
